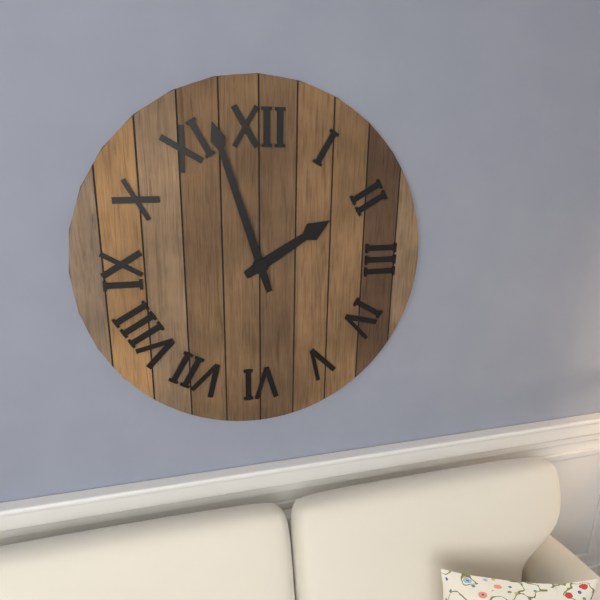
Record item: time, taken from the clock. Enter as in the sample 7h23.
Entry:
1h57
